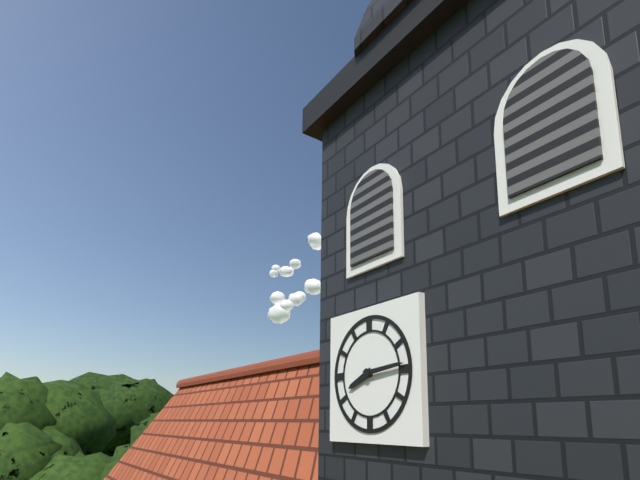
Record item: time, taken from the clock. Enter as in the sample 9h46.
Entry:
8h14
